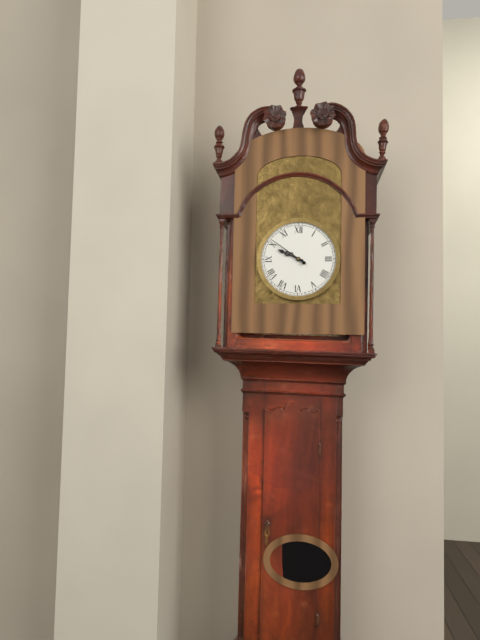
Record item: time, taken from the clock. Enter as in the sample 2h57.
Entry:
9h51
